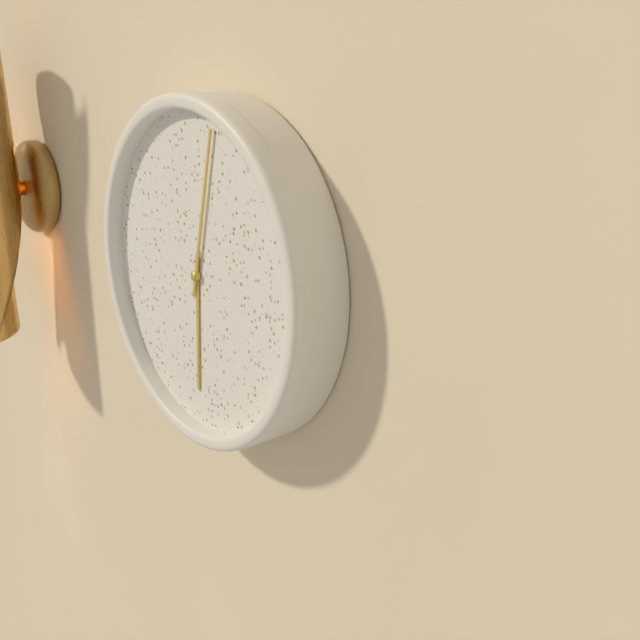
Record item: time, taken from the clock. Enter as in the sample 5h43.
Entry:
6h02
